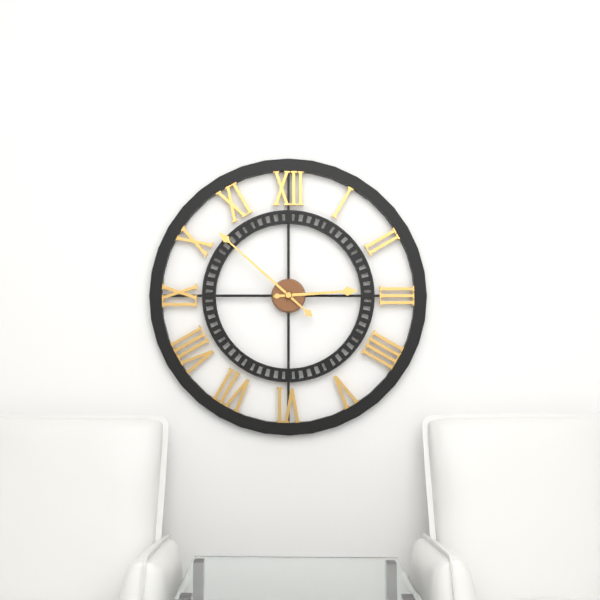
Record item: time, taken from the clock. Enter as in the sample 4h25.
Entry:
2h52
